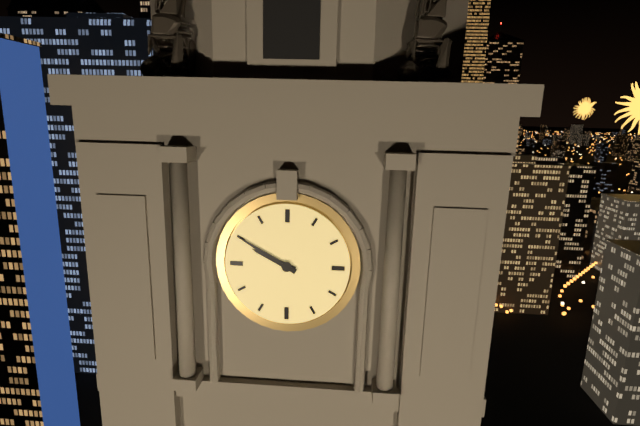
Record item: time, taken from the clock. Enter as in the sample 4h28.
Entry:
9h50
